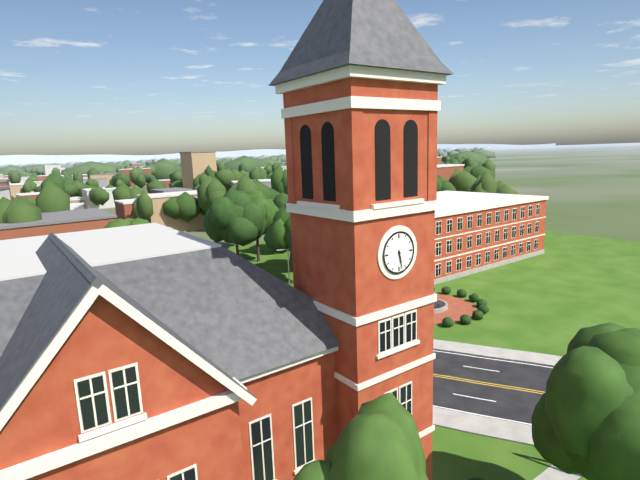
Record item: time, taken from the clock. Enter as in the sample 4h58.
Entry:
5h28
